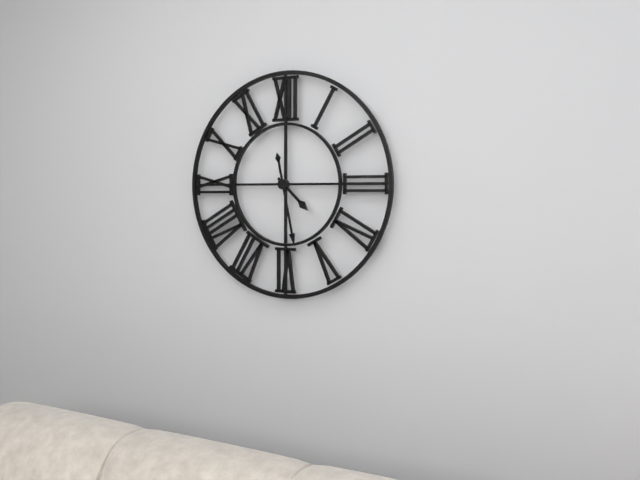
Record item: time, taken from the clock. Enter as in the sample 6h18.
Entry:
4h28
